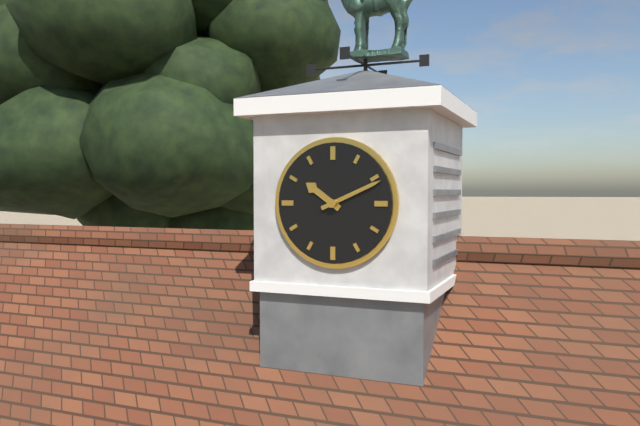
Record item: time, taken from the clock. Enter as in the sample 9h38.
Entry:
10h11
